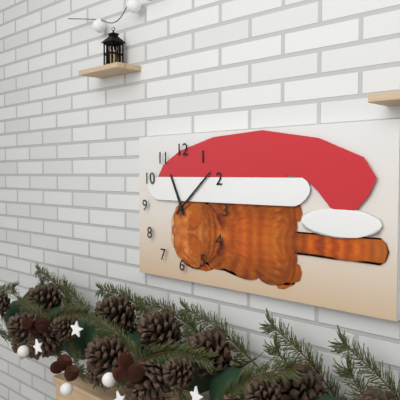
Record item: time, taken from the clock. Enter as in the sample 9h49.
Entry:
11h08
